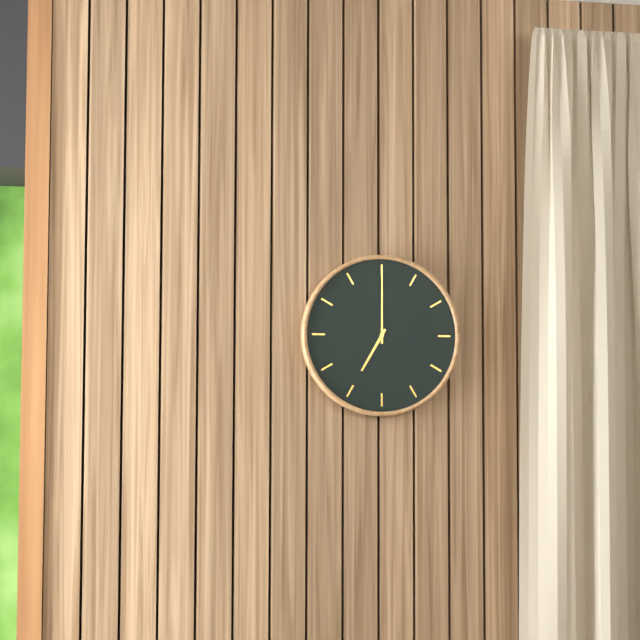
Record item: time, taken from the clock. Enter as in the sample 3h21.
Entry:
7h00
